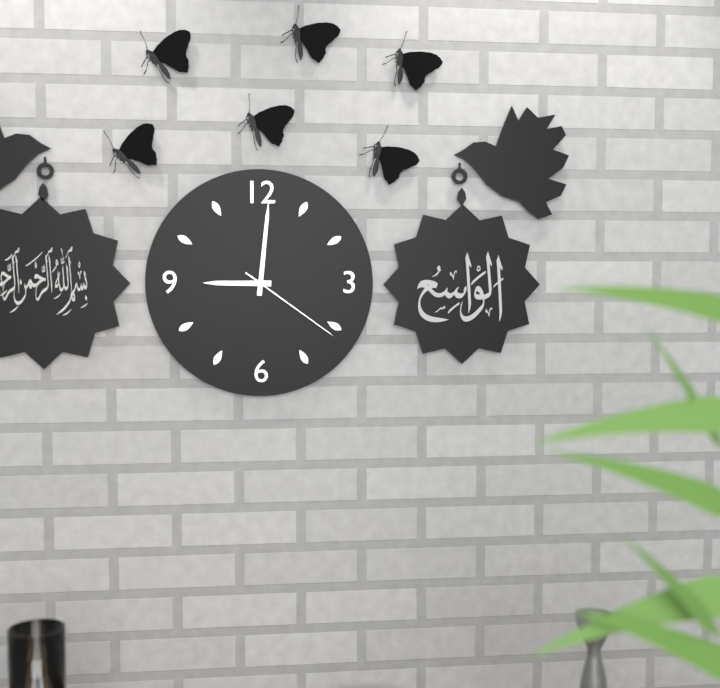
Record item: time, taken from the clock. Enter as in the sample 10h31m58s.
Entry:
9h01m21s
